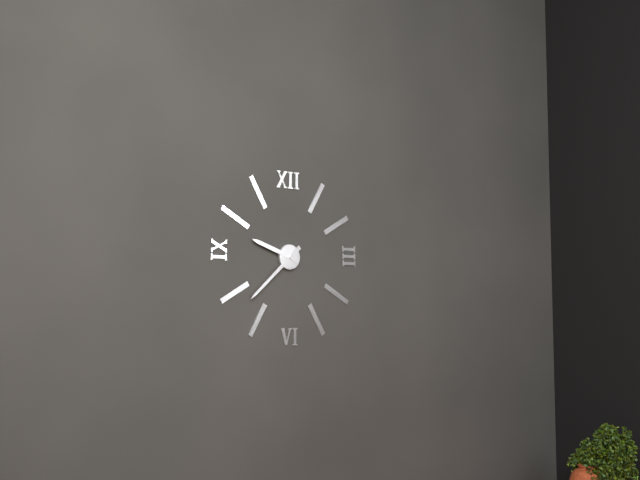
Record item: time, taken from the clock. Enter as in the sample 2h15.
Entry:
9h38
